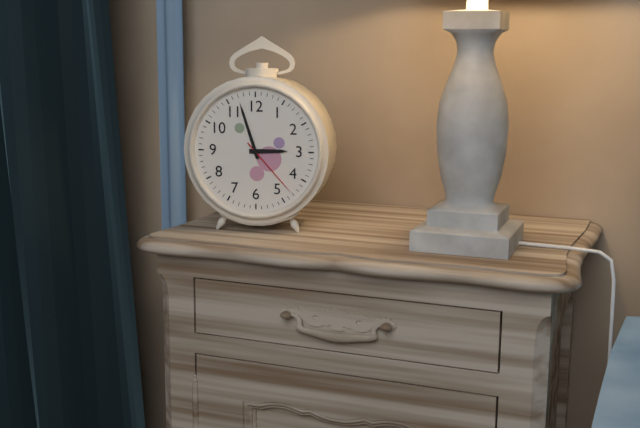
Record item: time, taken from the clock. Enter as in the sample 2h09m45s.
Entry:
2h57m23s
